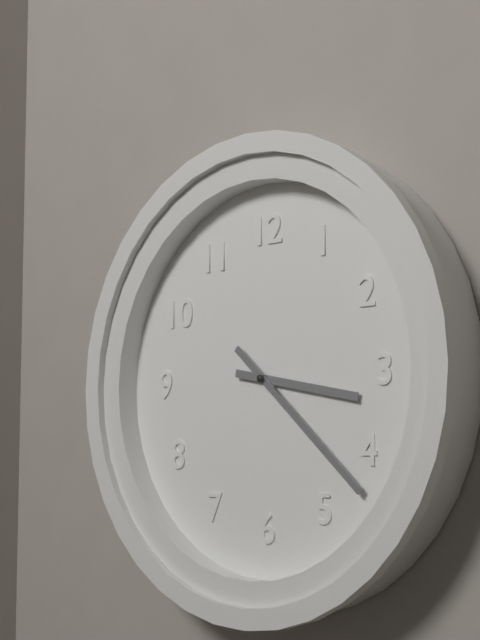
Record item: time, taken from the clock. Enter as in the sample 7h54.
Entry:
3h22
